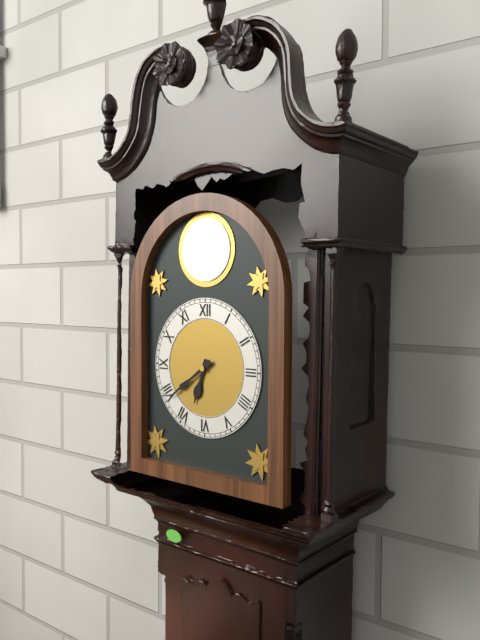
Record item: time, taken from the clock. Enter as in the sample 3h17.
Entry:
6h39
